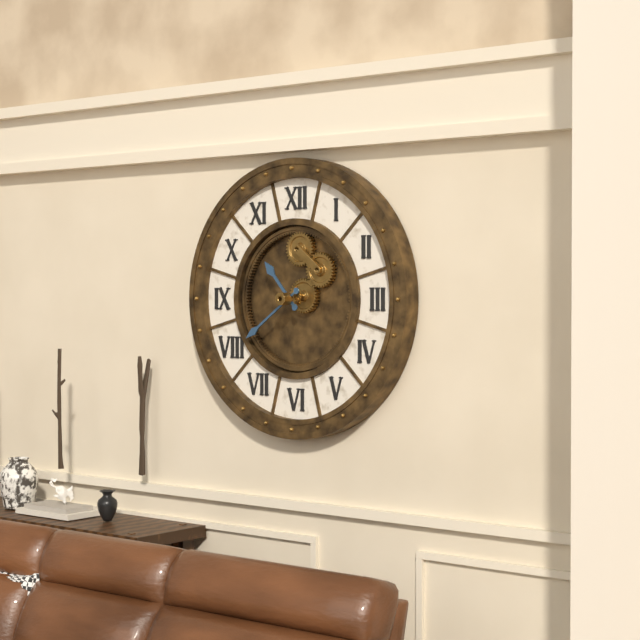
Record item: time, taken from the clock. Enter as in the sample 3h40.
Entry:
10h39
